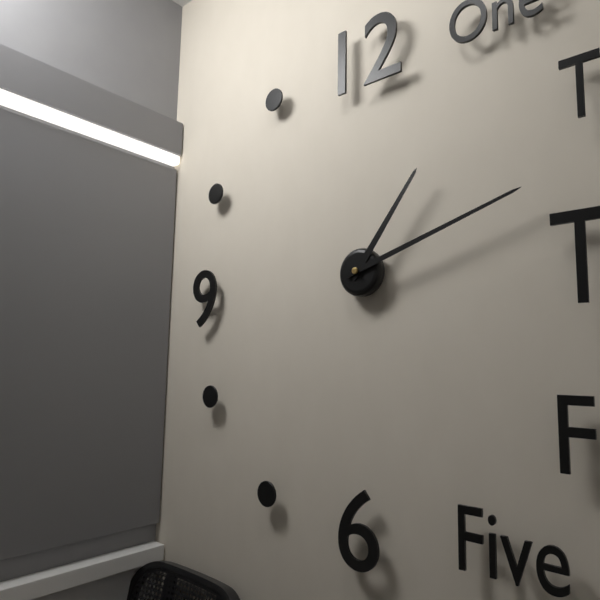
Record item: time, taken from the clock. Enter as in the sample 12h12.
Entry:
1h12
